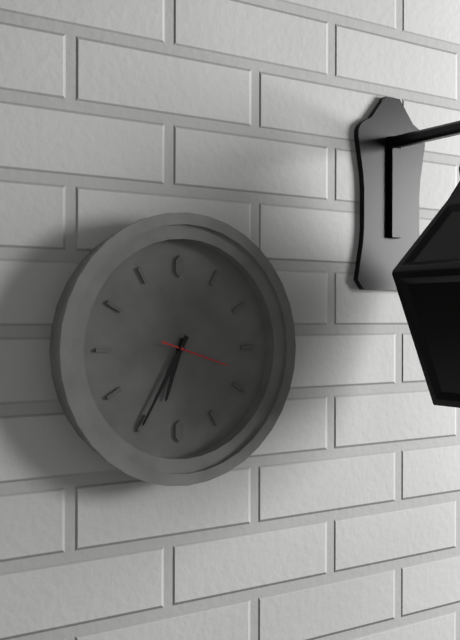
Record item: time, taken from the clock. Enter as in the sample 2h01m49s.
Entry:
6h35m18s
